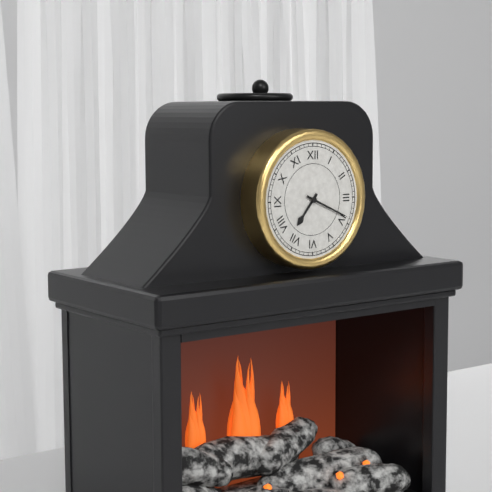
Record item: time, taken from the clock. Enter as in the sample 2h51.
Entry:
7h19
